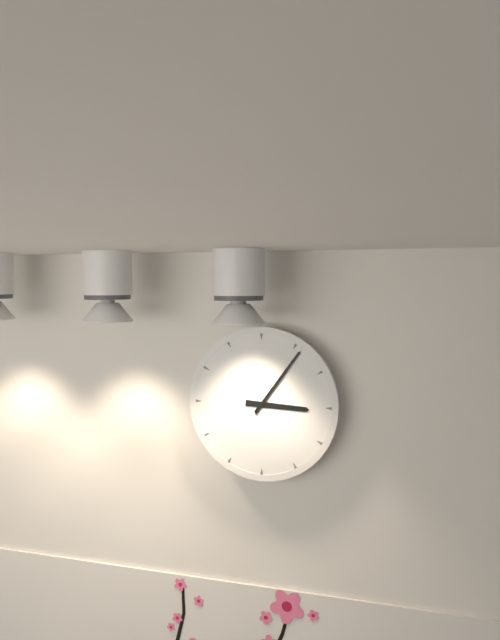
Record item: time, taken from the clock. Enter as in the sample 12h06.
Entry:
3h06
